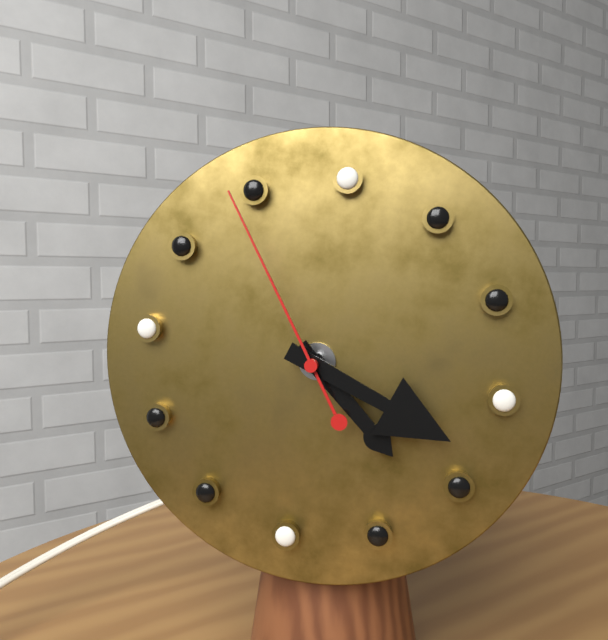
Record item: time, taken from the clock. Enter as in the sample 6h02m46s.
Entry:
4h18m54s
